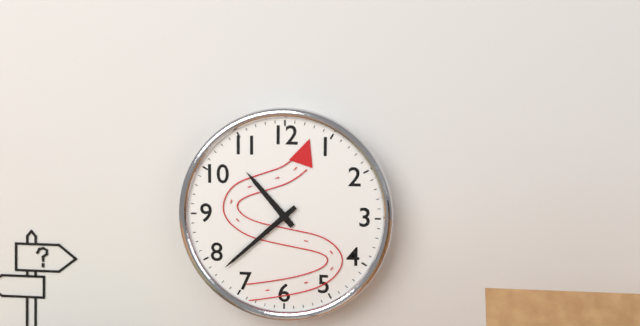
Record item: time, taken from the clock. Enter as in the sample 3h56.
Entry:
10h38
